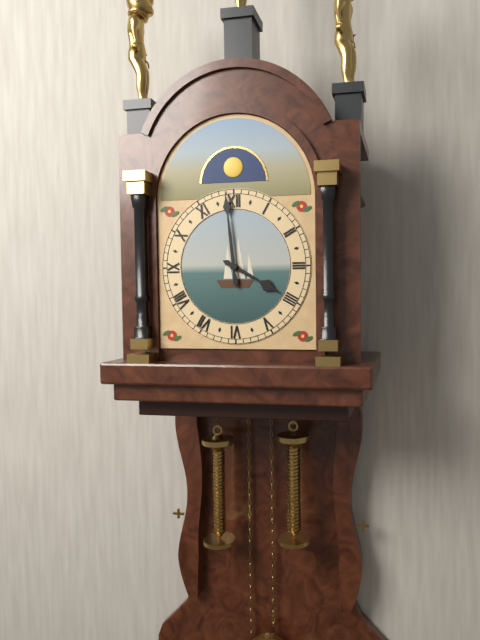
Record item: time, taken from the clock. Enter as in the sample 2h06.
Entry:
3h59
